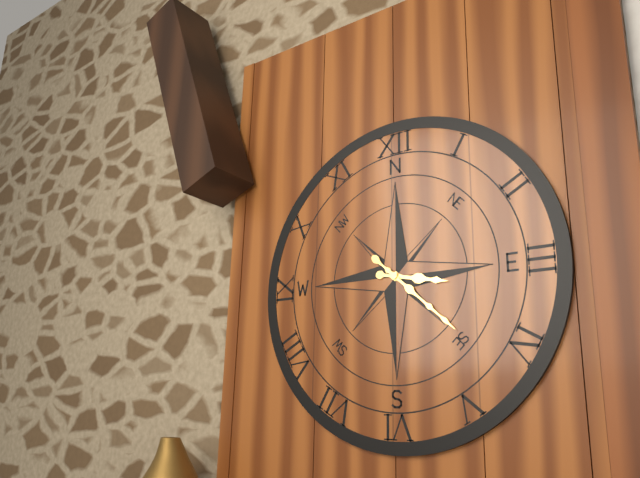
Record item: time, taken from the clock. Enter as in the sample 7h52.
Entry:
3h22
